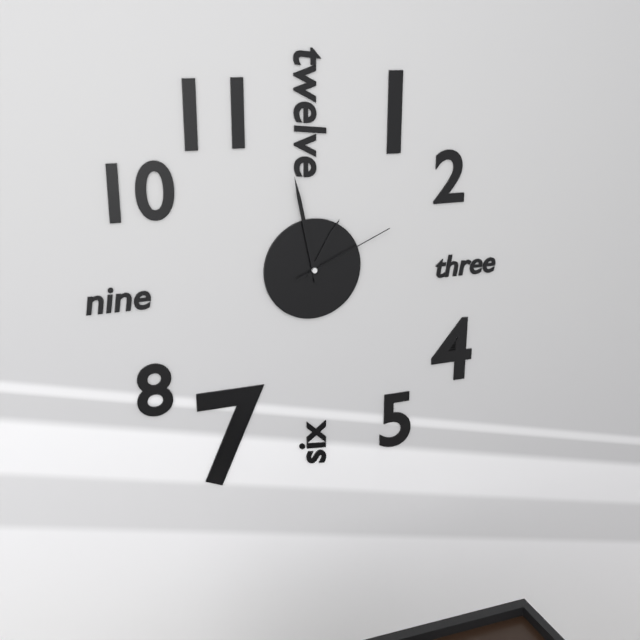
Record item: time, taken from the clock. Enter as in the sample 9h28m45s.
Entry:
12h58m11s
